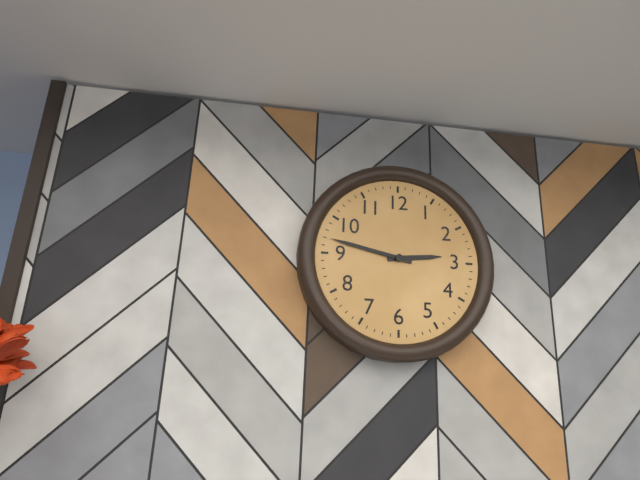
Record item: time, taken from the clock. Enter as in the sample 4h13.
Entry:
2h47
